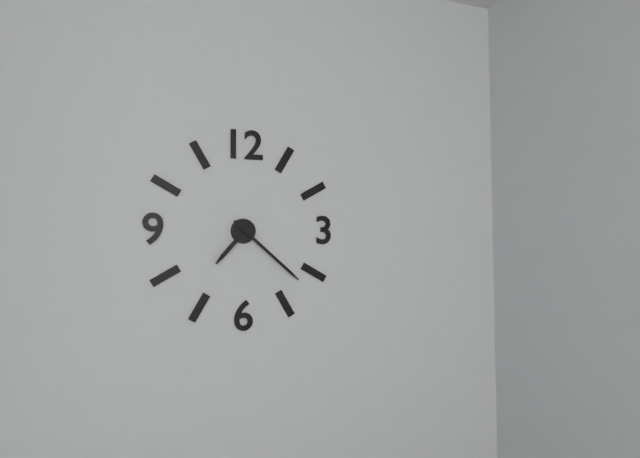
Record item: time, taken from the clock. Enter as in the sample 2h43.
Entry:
7h22
